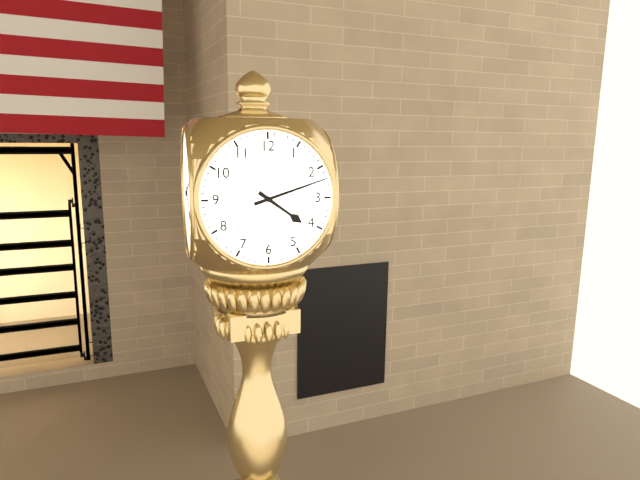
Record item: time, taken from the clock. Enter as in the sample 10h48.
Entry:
4h12
